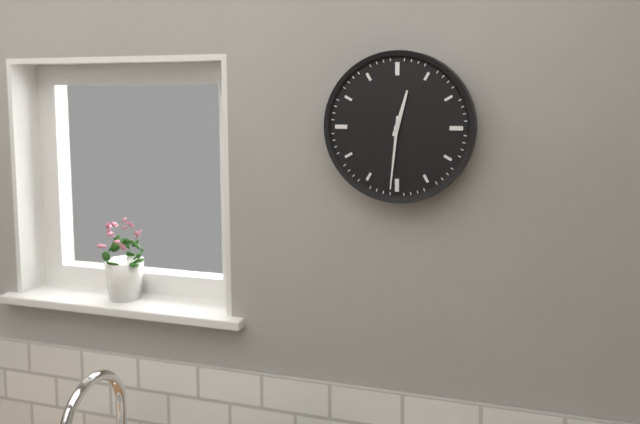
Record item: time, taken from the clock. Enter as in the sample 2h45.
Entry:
12h31
